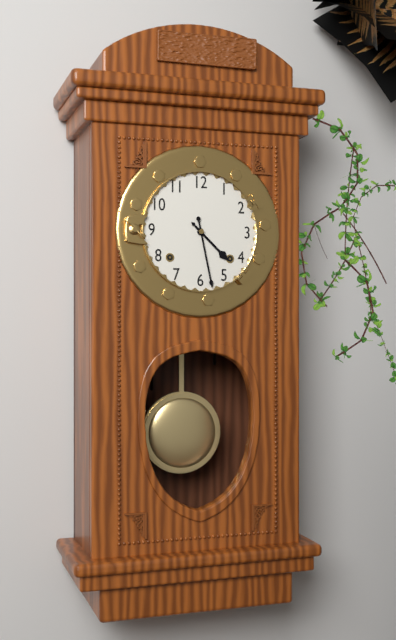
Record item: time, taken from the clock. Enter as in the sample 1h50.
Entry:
4h28
